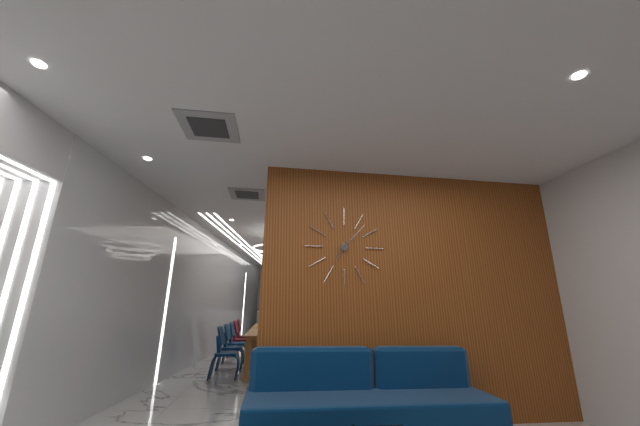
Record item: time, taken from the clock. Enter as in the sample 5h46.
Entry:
7h07
